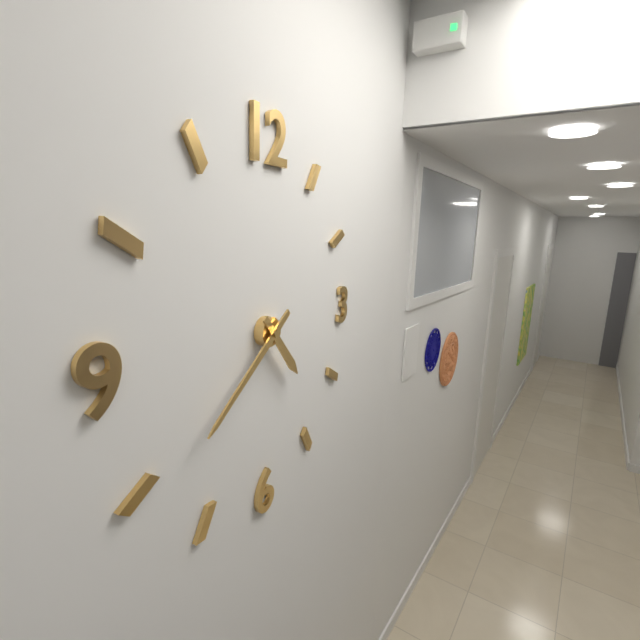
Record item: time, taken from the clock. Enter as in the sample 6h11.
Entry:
4h39
